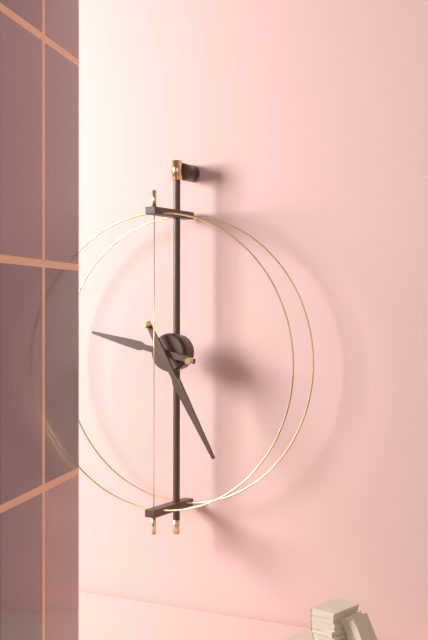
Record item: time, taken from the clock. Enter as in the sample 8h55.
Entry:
9h25
